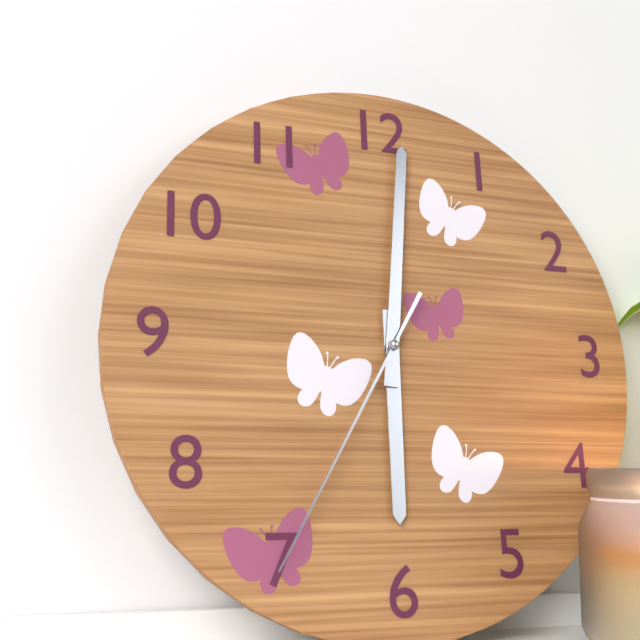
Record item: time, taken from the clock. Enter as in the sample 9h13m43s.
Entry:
6h01m35s
